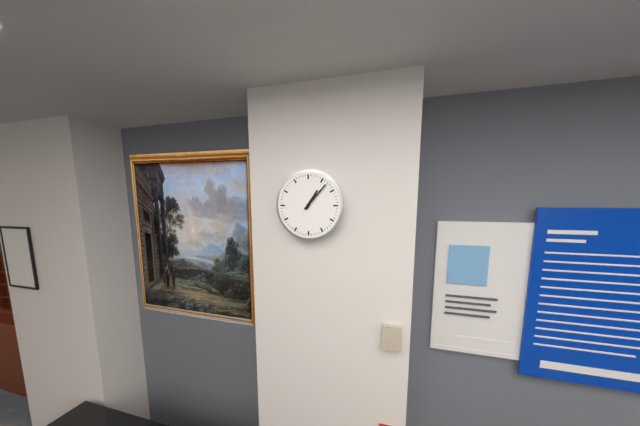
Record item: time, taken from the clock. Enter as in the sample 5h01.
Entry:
1h07
